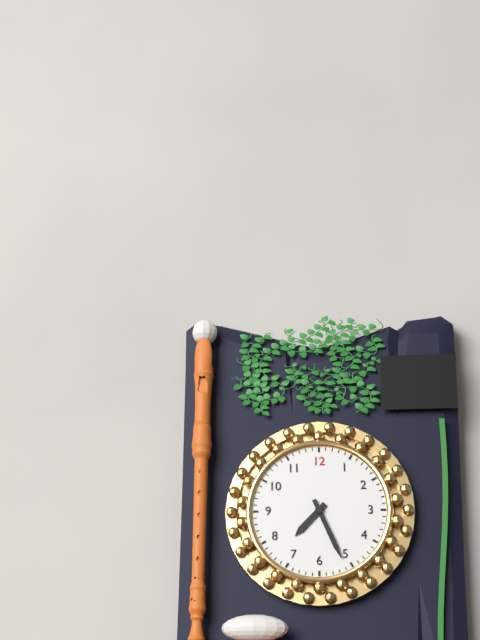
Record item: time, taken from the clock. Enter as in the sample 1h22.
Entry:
7h26
